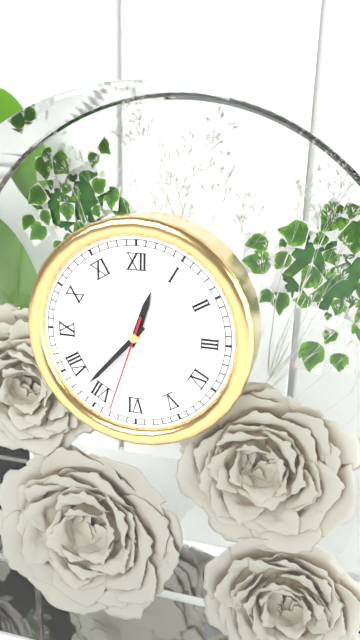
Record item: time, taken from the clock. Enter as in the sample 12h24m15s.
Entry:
12h37m33s
